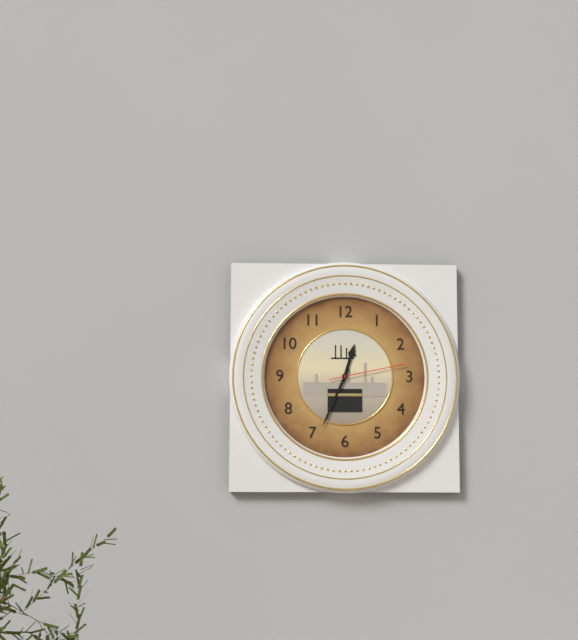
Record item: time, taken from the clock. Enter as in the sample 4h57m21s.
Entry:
12h34m13s
